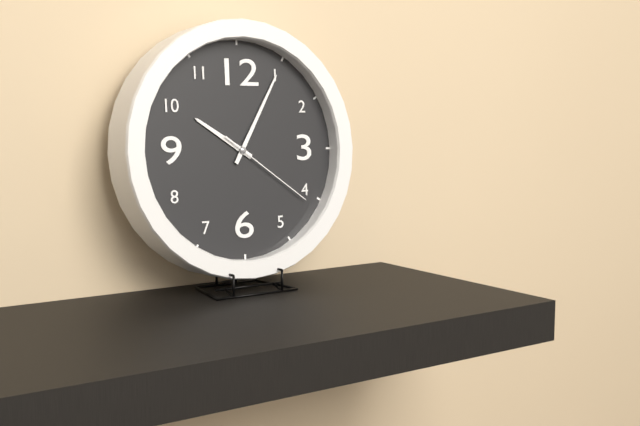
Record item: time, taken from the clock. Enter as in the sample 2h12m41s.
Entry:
10h05m21s
